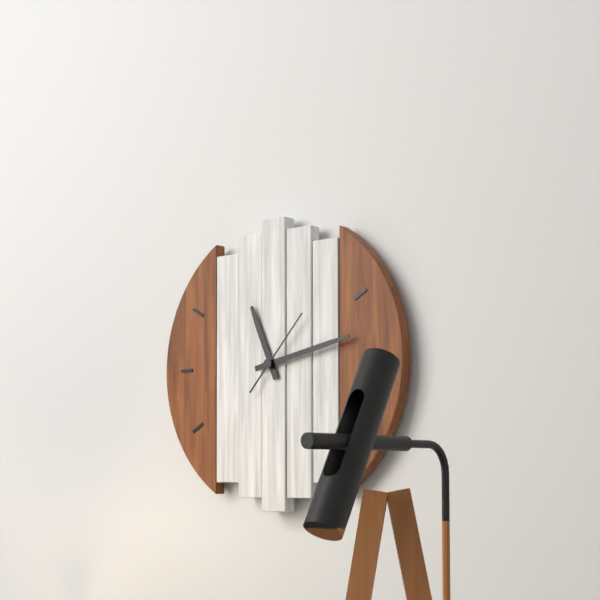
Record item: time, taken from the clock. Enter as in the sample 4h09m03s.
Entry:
11h13m07s
